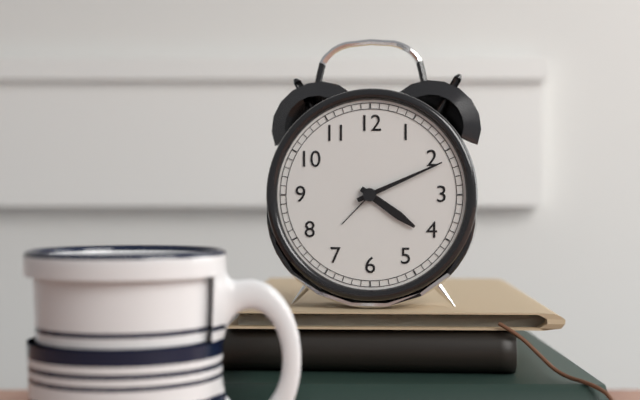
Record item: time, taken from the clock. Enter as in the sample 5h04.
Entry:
4h11
